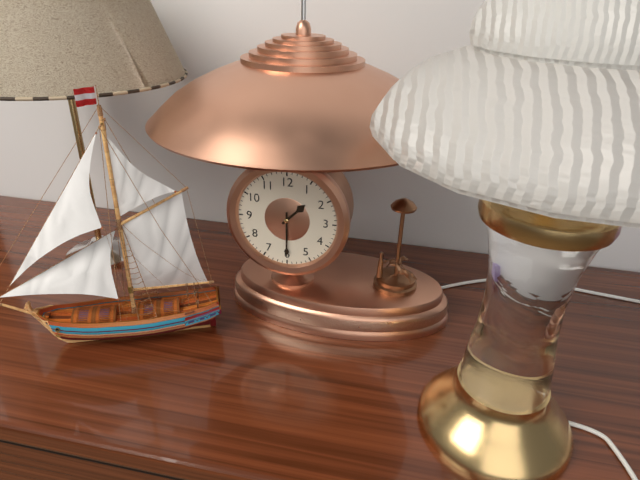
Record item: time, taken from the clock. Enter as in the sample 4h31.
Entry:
1h30
